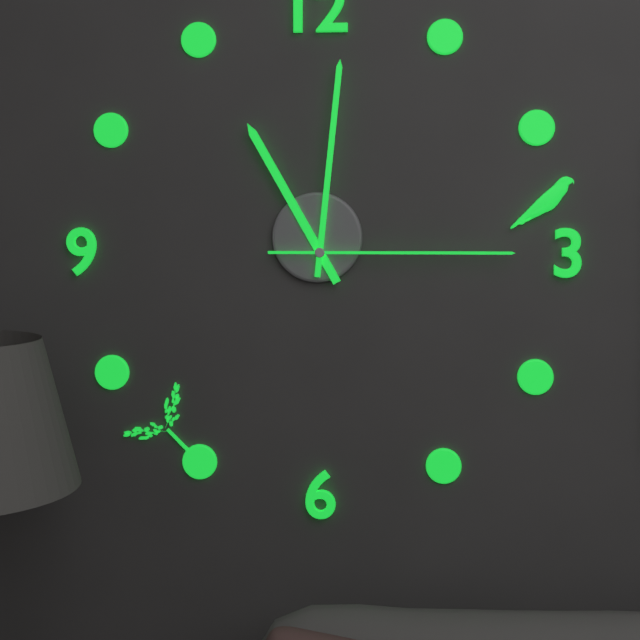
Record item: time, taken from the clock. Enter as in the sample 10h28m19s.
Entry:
11h01m15s
